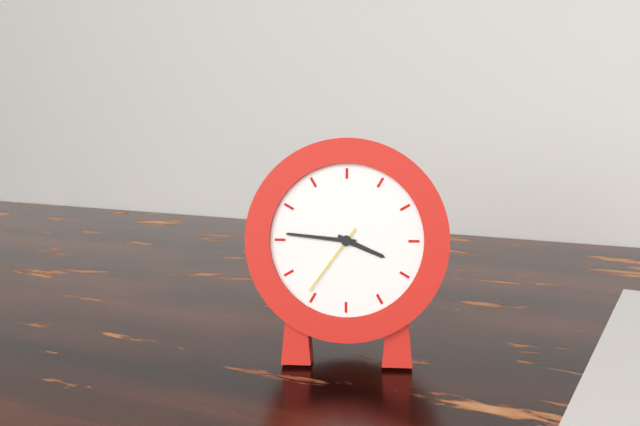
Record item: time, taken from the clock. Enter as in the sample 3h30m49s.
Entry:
3h46m36s
